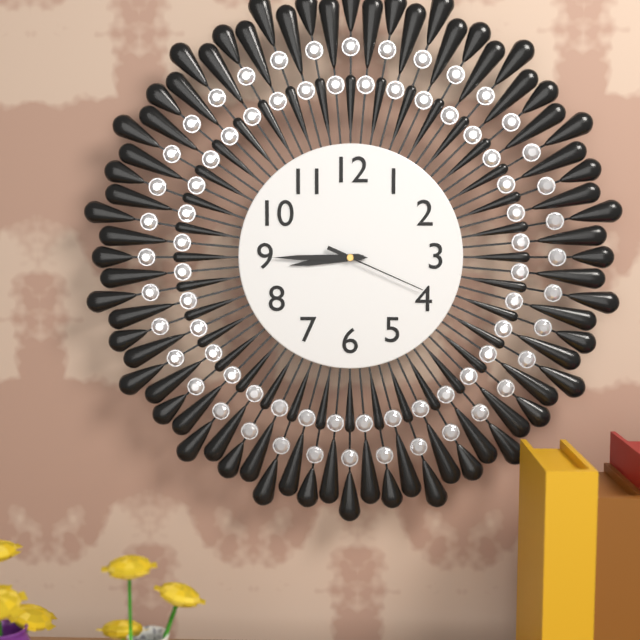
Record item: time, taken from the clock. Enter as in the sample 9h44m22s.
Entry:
8h45m19s
